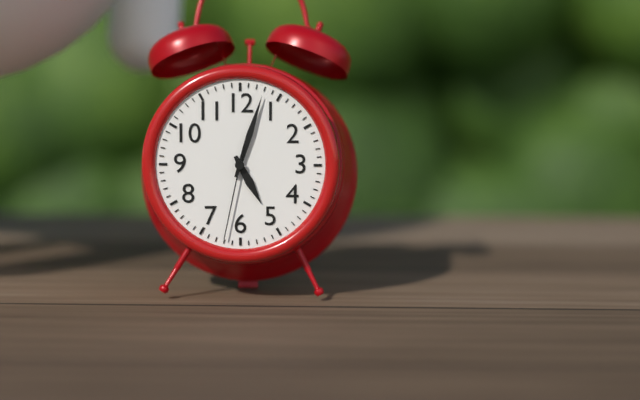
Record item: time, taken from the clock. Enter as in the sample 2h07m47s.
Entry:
5h03m32s
